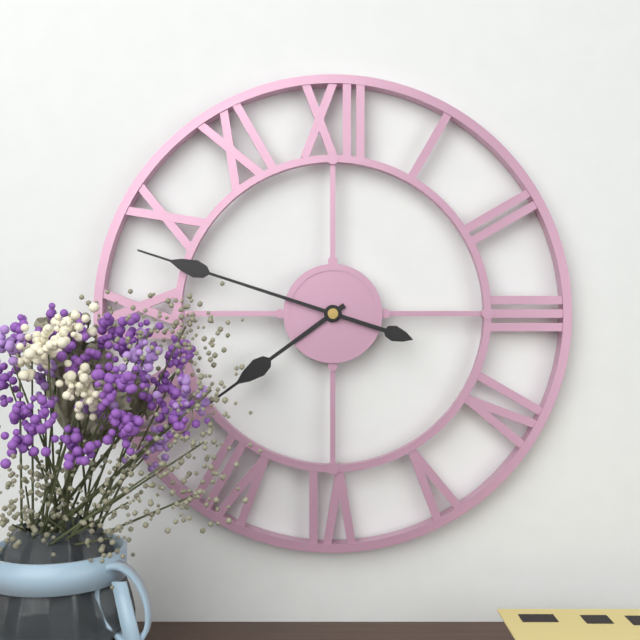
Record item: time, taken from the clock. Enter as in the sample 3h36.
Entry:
7h48
